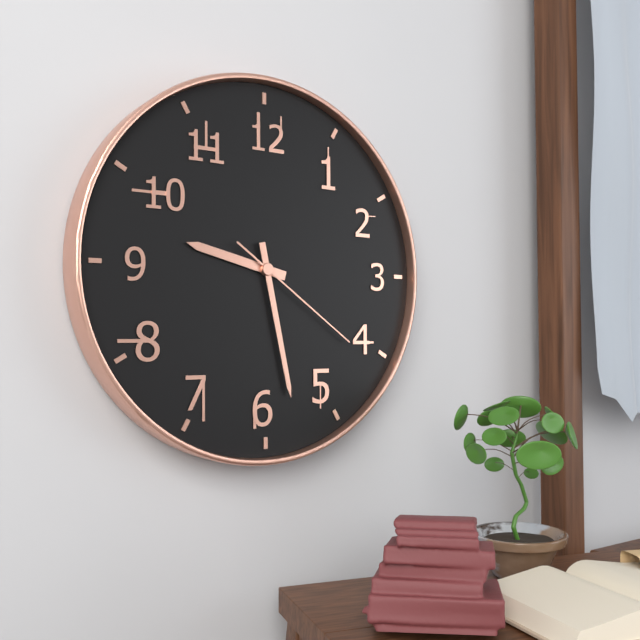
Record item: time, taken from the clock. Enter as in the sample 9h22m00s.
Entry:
9h28m21s
